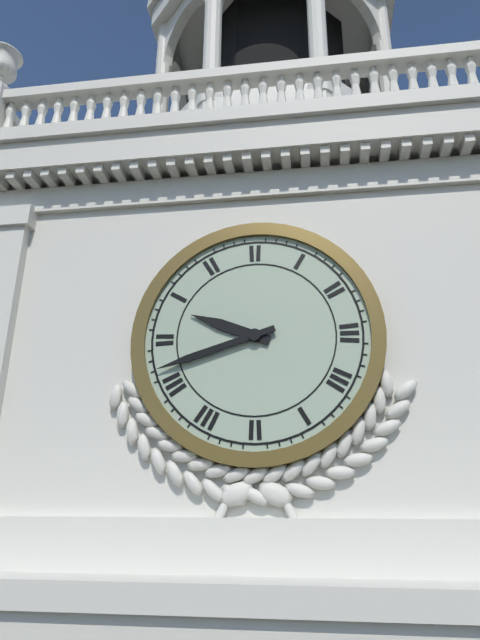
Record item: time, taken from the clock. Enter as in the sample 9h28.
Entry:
9h42
